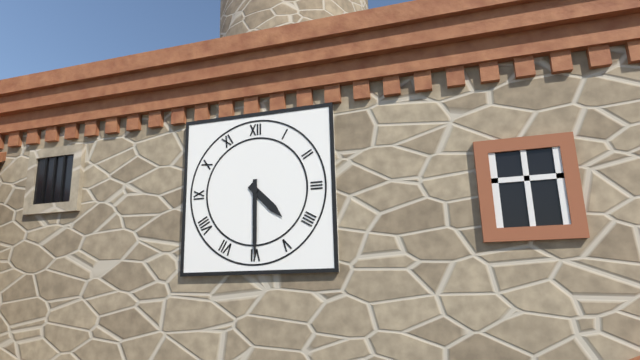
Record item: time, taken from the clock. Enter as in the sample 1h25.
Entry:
4h30
